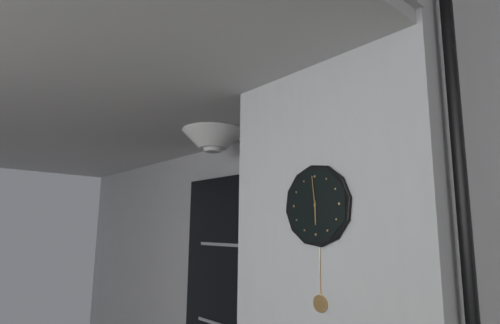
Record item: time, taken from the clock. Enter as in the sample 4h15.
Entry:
5h59
